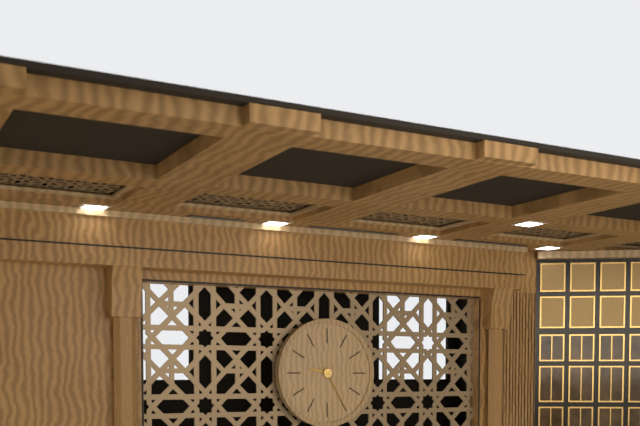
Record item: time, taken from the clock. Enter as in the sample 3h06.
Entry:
9h25
